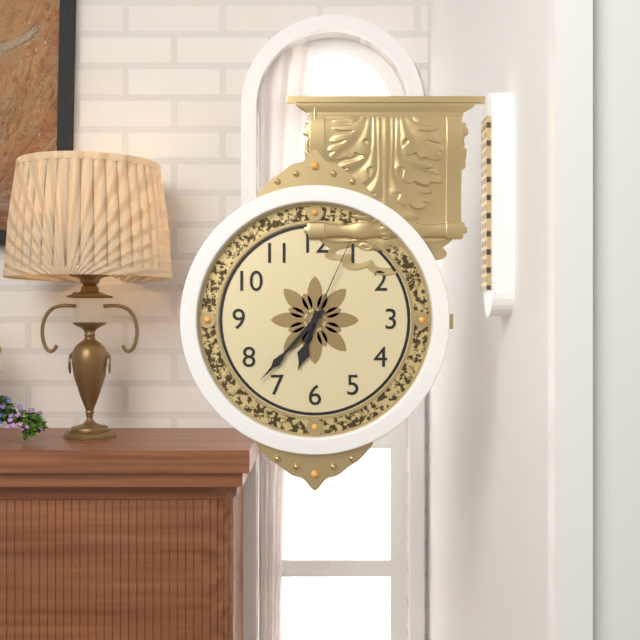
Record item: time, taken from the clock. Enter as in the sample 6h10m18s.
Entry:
6h37m04s
